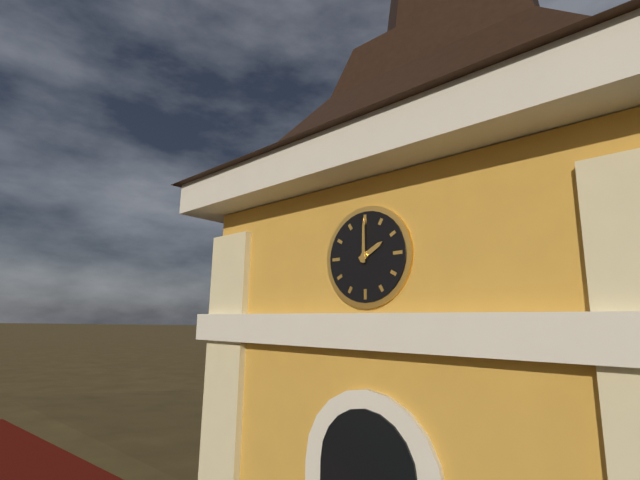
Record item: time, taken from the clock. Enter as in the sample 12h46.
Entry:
2h00
